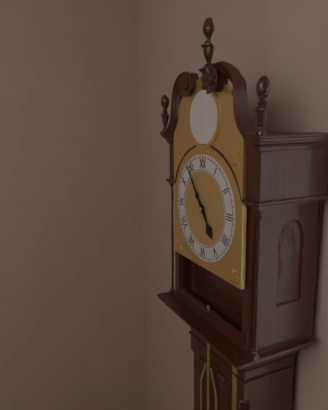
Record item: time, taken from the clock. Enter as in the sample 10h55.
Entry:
4h54
